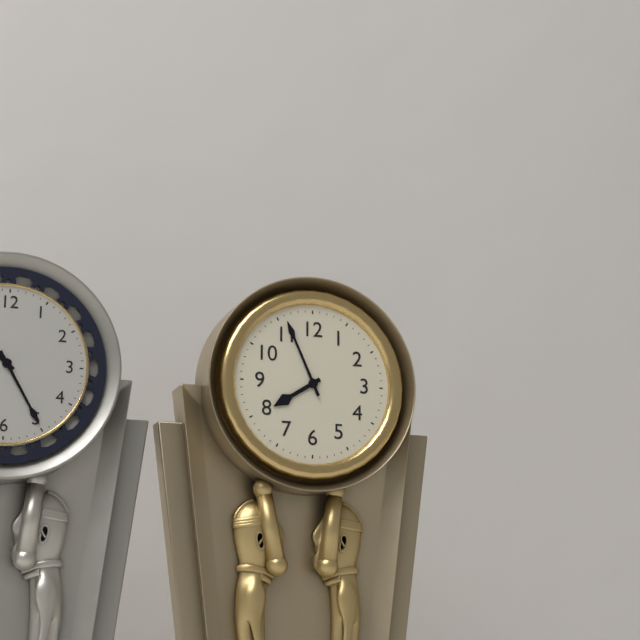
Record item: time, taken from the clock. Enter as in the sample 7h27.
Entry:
7h56
